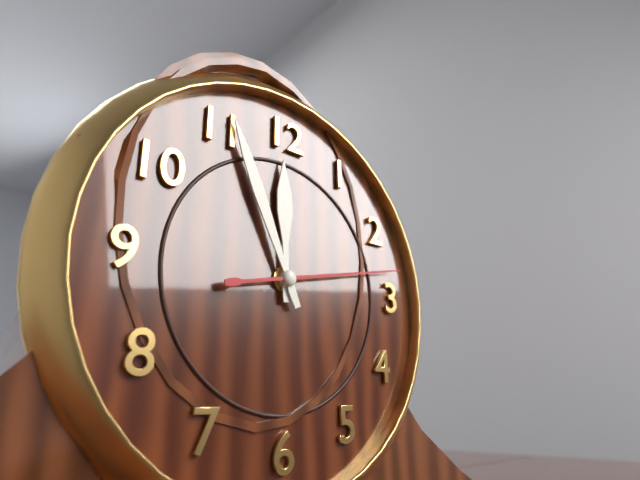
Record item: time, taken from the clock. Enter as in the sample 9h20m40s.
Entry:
11h56m13s
